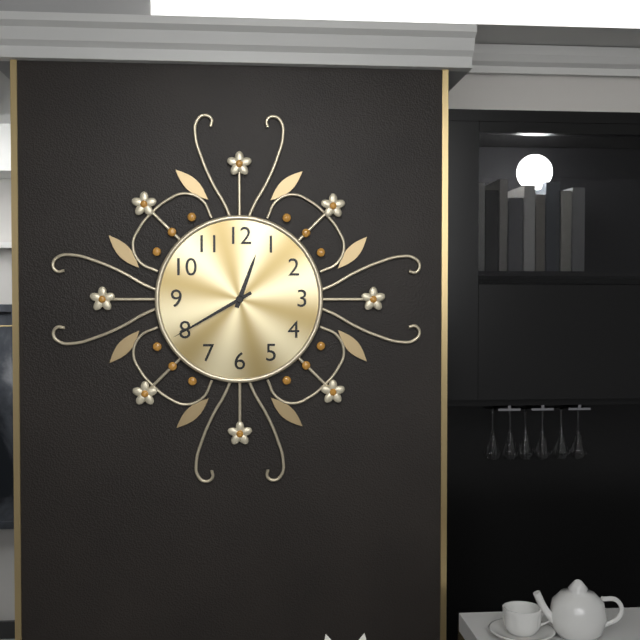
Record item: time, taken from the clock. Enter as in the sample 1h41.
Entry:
12h40
